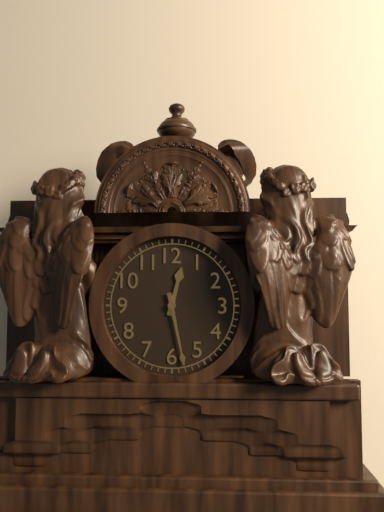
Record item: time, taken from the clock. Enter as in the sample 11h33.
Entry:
12h28
